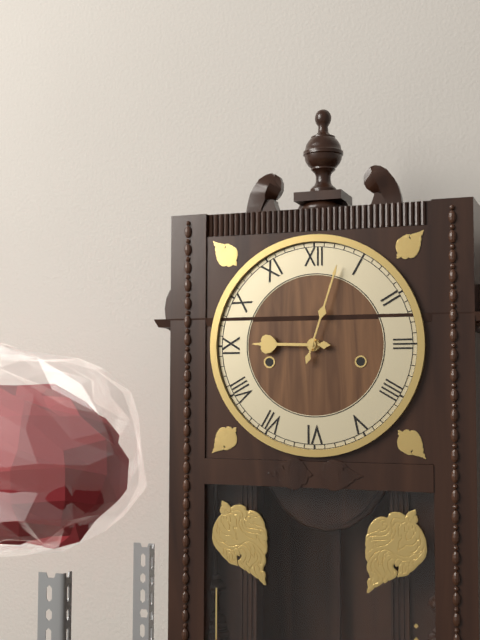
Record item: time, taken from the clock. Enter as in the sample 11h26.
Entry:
9h03
